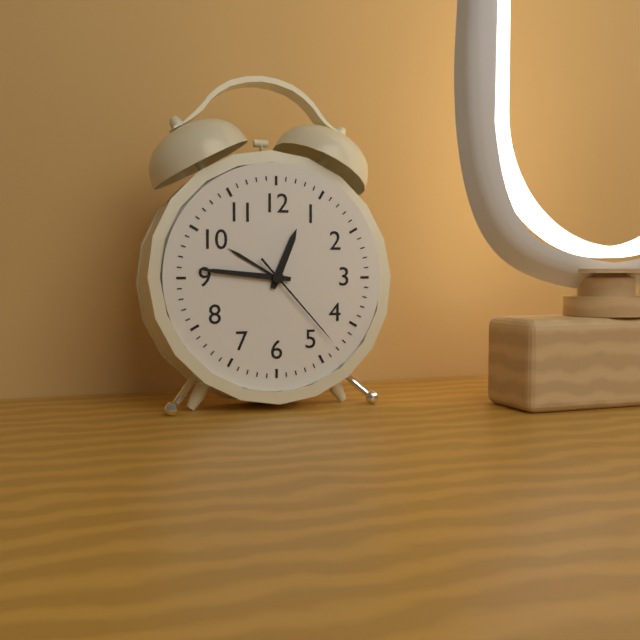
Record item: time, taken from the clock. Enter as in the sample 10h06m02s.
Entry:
12h46m23s
